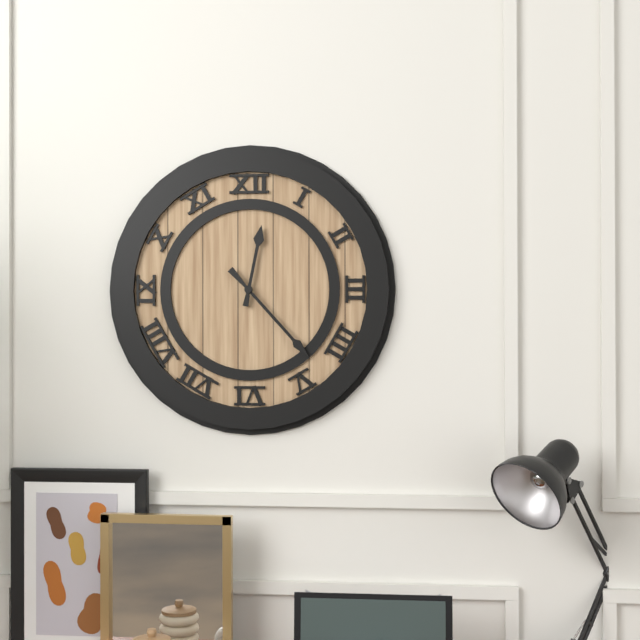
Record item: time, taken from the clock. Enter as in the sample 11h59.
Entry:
12h23
